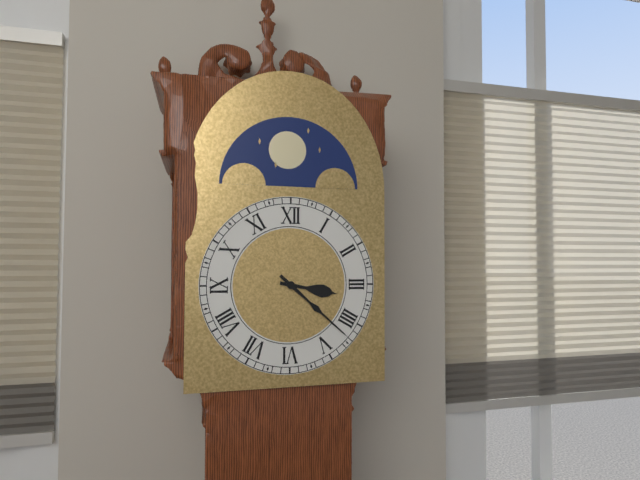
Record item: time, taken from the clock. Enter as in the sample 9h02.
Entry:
3h22
